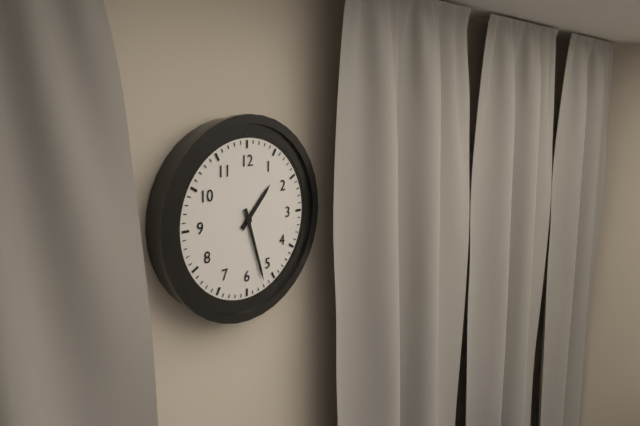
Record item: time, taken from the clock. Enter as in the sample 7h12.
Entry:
1h27
